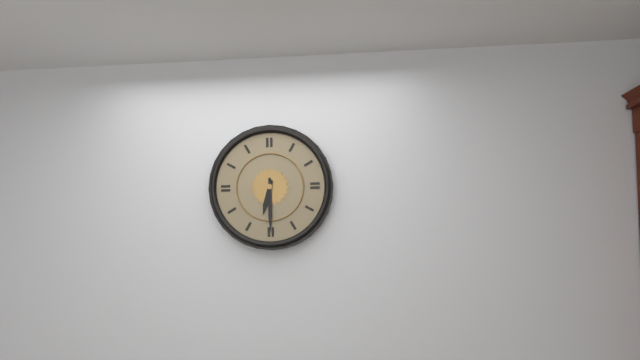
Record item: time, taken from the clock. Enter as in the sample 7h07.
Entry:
6h30
